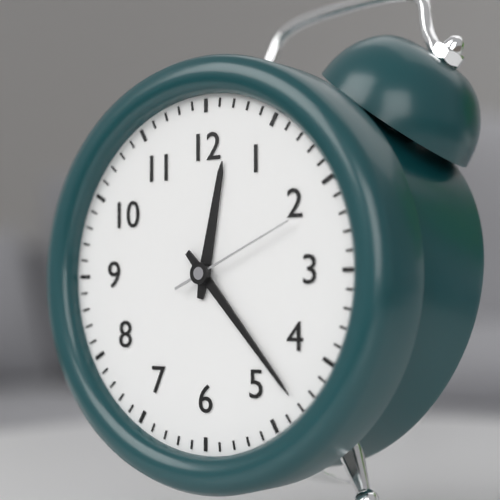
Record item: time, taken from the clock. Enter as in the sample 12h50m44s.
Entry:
12h23m11s
